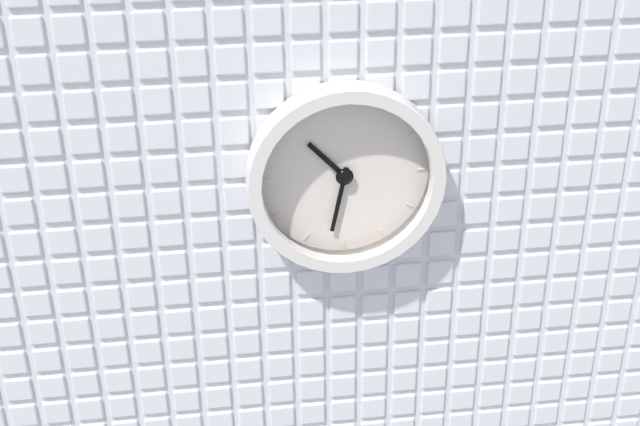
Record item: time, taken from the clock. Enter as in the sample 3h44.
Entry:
10h32
